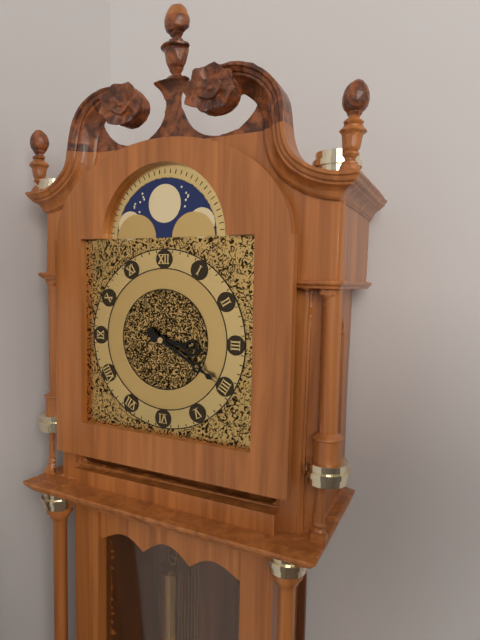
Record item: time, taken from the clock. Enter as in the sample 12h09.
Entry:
3h20
